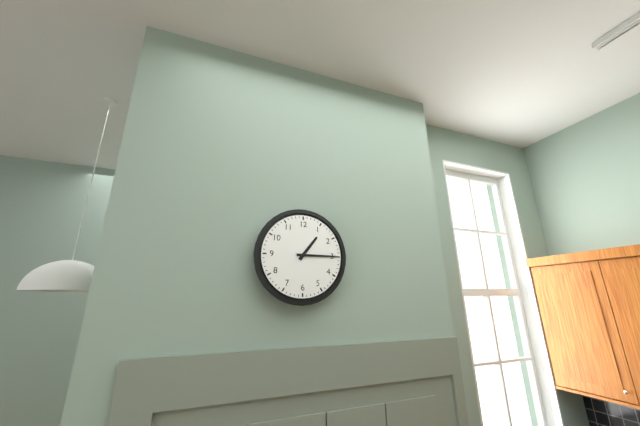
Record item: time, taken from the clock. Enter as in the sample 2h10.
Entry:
1h15
